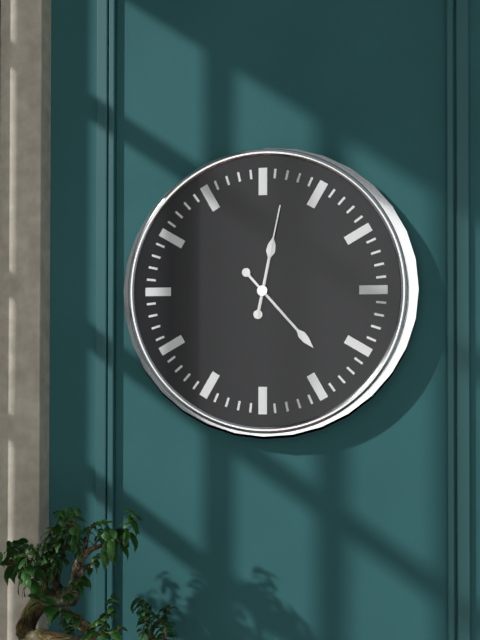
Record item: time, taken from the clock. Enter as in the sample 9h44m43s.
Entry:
12h23m02s
